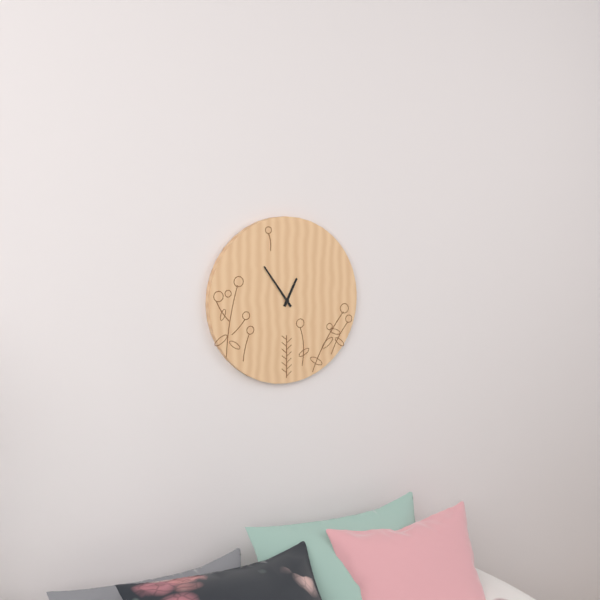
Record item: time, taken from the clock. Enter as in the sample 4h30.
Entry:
12h54
